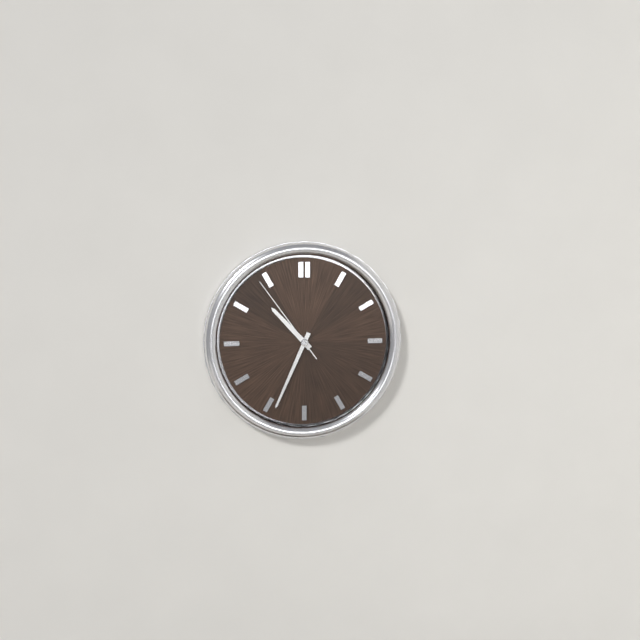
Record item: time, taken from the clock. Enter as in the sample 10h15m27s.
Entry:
10h34m54s
